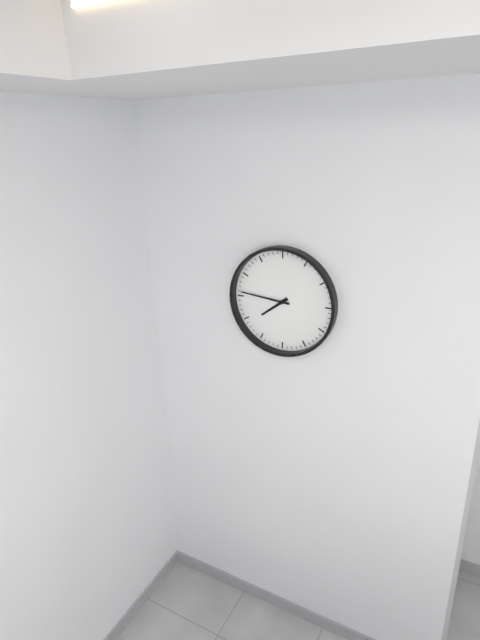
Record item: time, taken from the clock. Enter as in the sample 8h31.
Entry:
7h46
